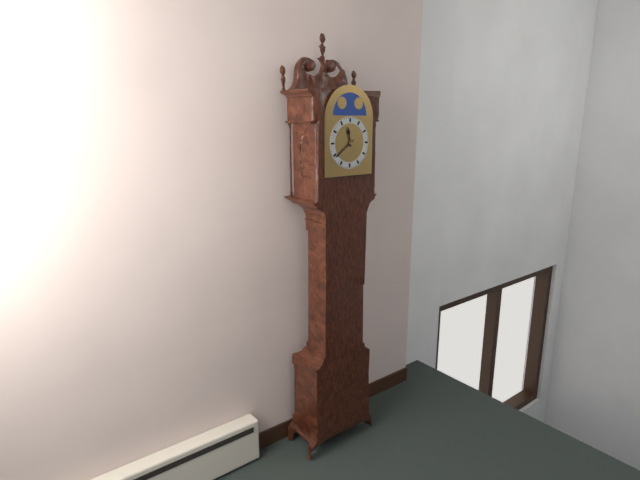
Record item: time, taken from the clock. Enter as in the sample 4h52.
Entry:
11h39
